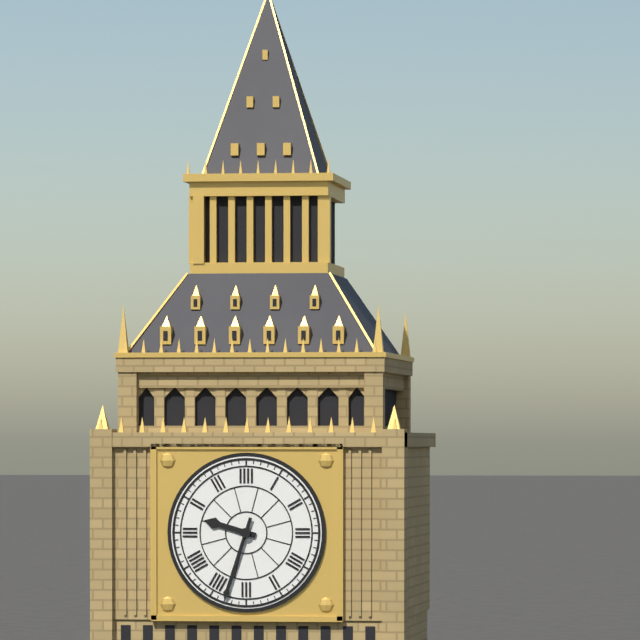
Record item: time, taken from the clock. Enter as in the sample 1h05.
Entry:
9h33
